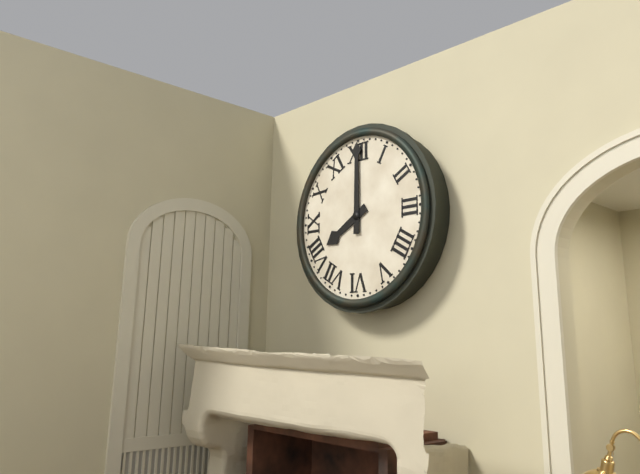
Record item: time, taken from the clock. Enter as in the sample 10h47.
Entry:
8h00
